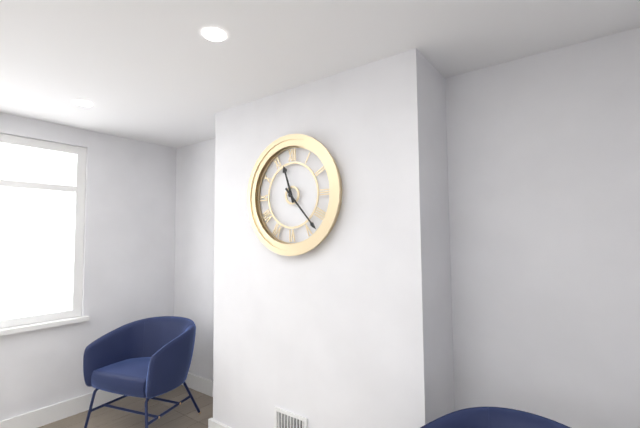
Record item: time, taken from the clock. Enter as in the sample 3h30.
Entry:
11h23
